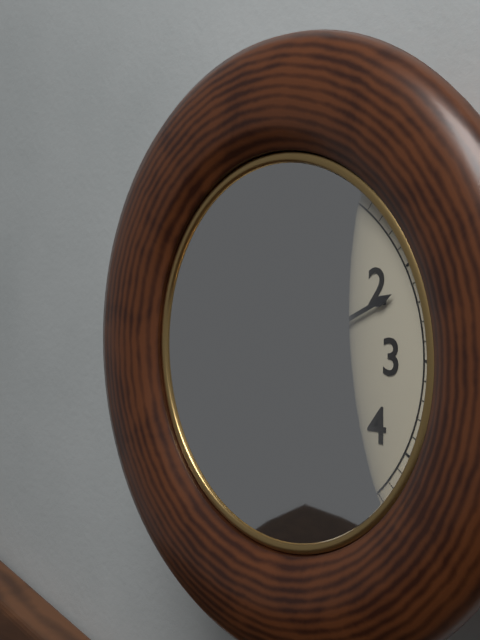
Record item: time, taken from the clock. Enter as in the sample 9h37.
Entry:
5h11
